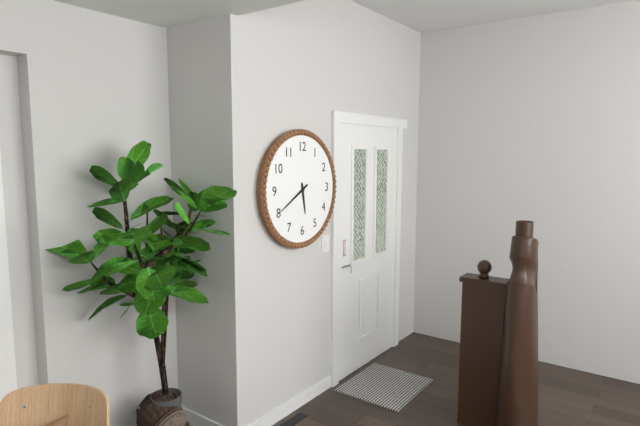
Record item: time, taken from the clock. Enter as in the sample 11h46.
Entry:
5h40
